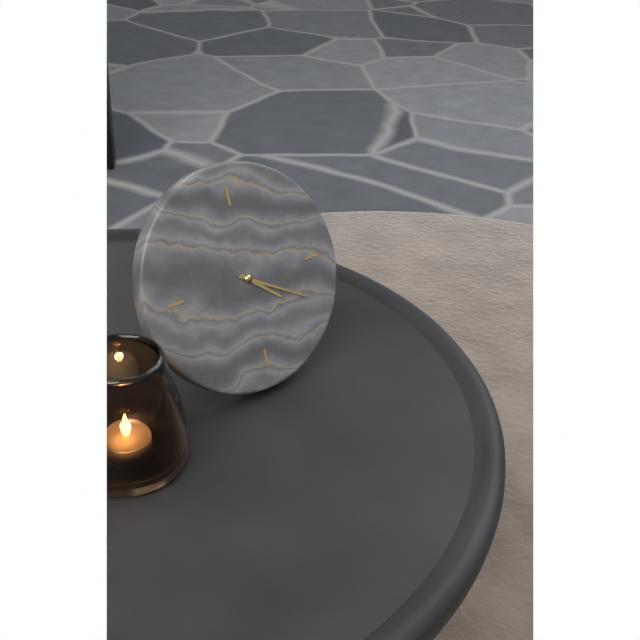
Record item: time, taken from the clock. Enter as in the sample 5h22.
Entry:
4h20
